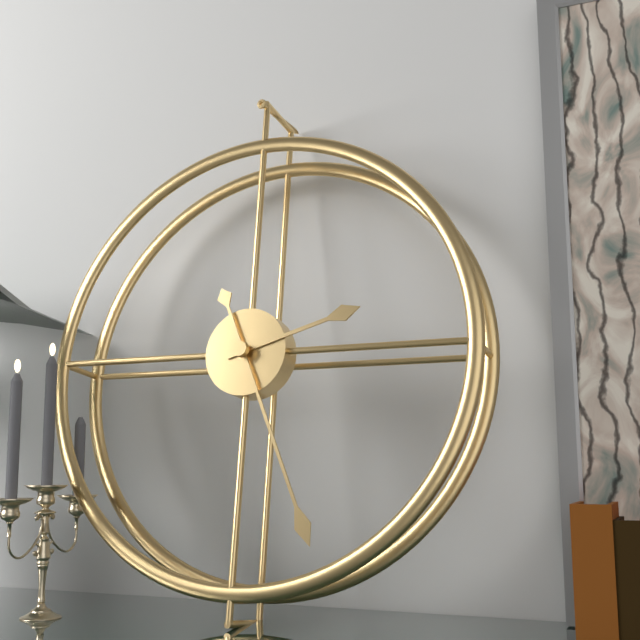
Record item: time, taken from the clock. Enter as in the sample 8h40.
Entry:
2h26
